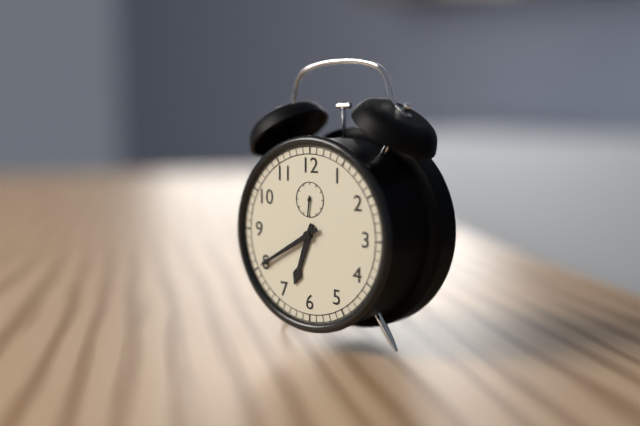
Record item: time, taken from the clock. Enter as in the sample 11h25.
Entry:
6h40
